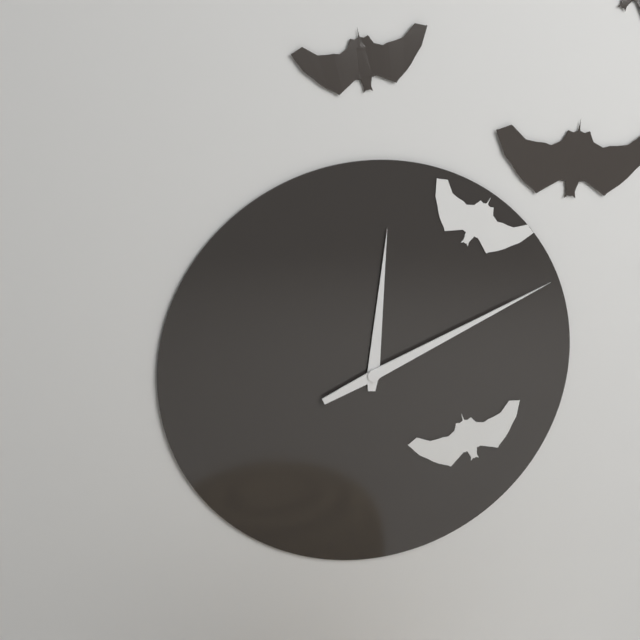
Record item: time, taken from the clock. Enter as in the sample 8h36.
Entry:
12h11
